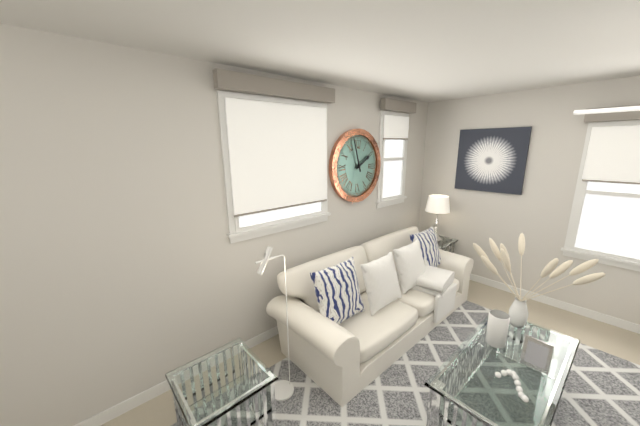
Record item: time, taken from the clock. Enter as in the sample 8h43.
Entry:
1h57
